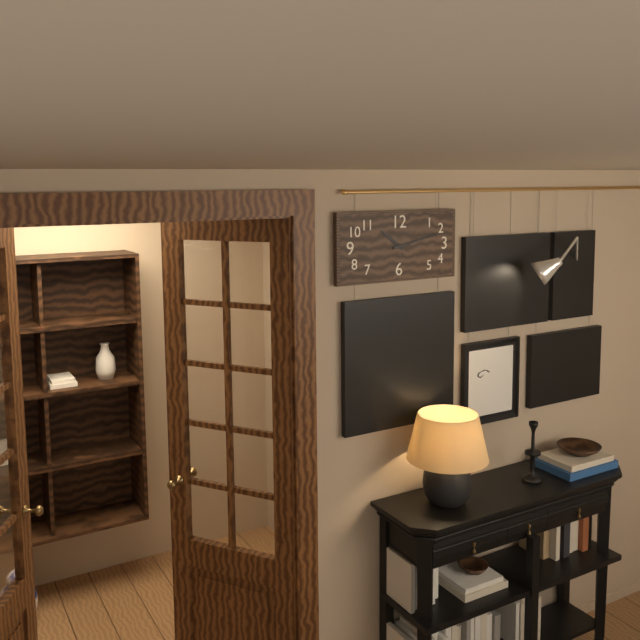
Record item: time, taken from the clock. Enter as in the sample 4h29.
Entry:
10h13
